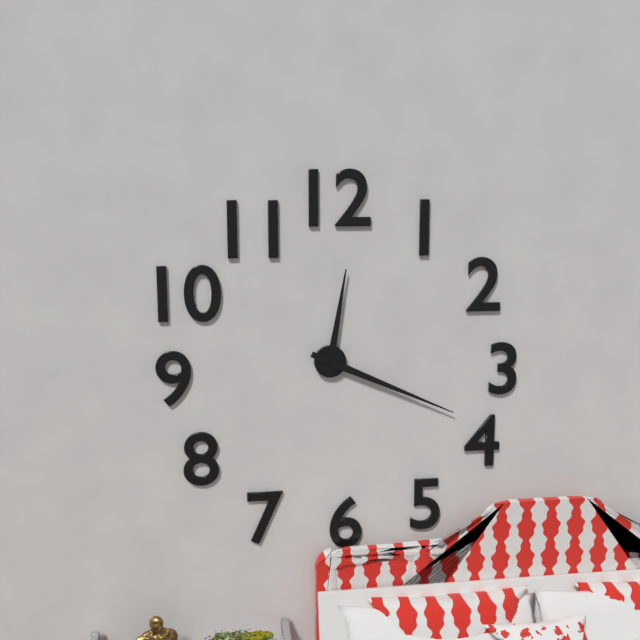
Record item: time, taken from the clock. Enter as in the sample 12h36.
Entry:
12h19
